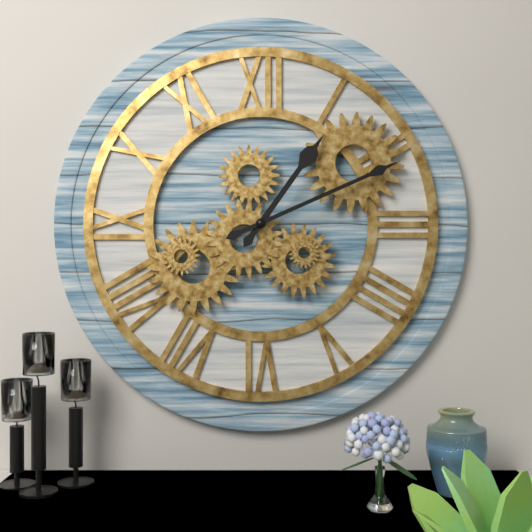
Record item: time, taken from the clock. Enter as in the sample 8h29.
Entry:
1h11
